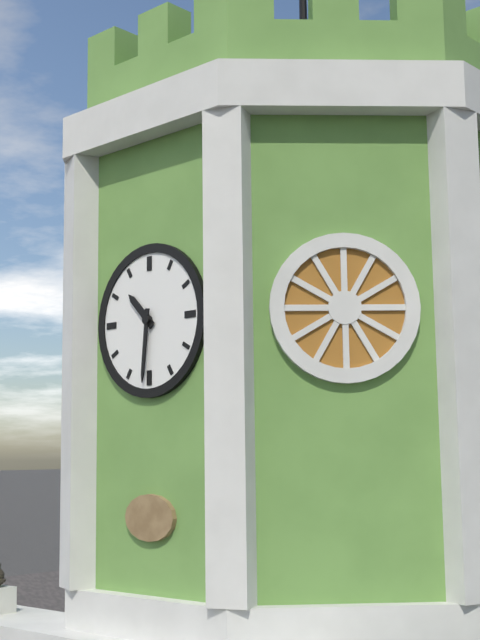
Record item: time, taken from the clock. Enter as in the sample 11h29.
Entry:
10h31
